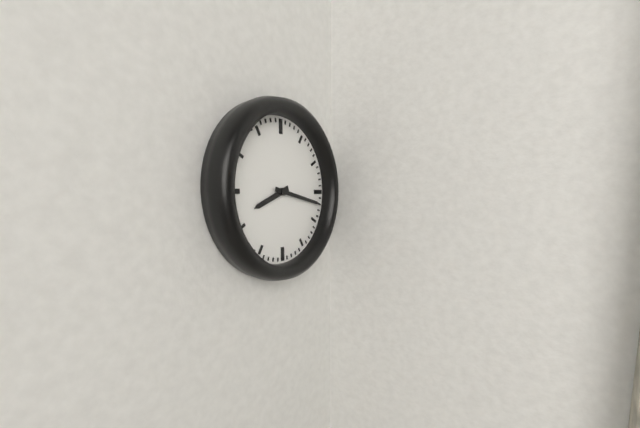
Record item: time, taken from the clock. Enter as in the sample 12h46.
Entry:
8h17
